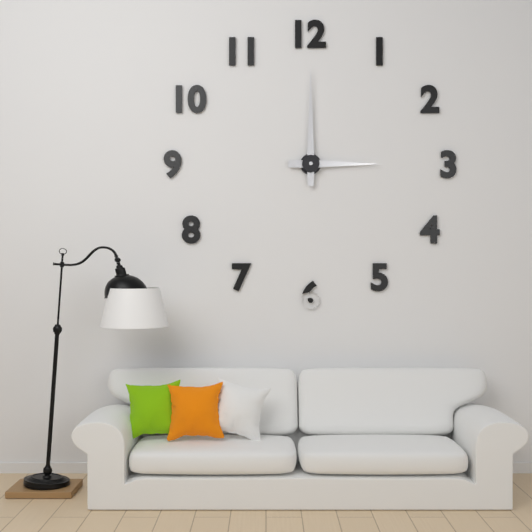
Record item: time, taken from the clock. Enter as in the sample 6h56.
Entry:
3h00
